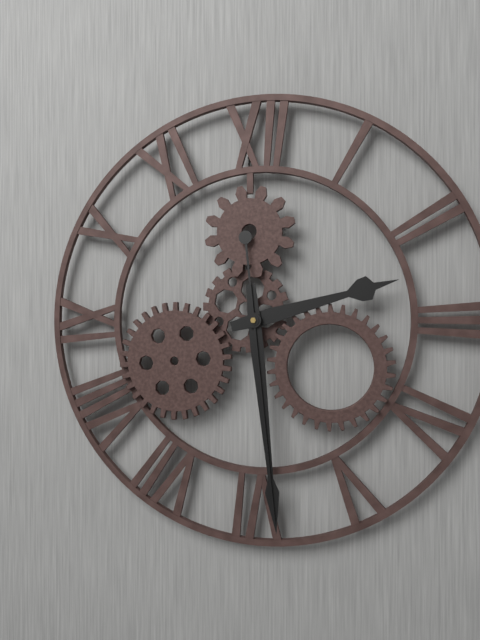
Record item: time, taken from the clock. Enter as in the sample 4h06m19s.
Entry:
2h29m29s
